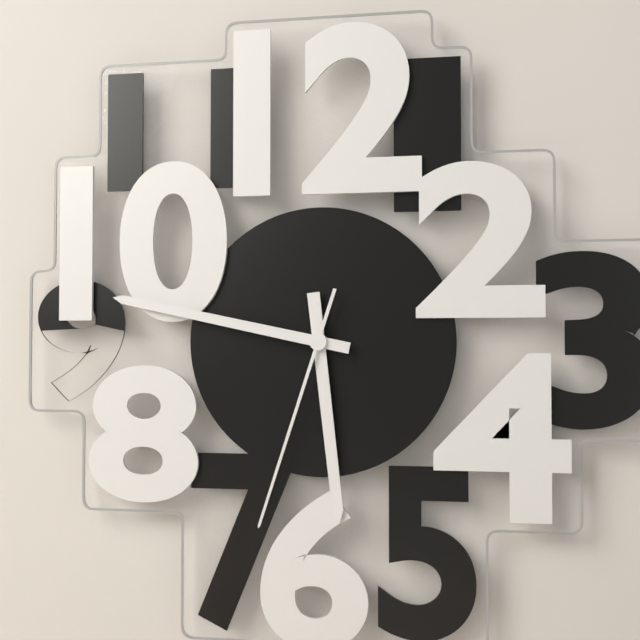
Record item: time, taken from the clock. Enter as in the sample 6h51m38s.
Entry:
5h47m33s
